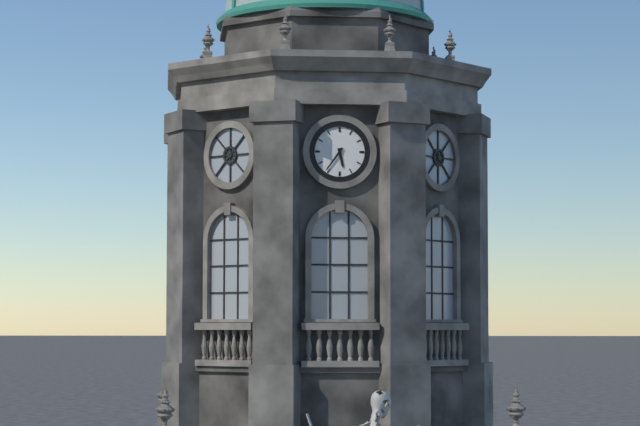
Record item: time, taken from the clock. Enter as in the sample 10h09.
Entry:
5h36
